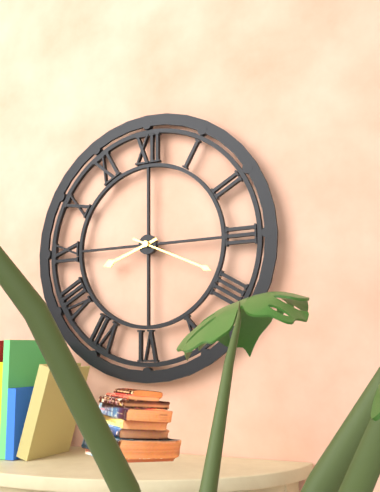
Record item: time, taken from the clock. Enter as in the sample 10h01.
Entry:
8h19
